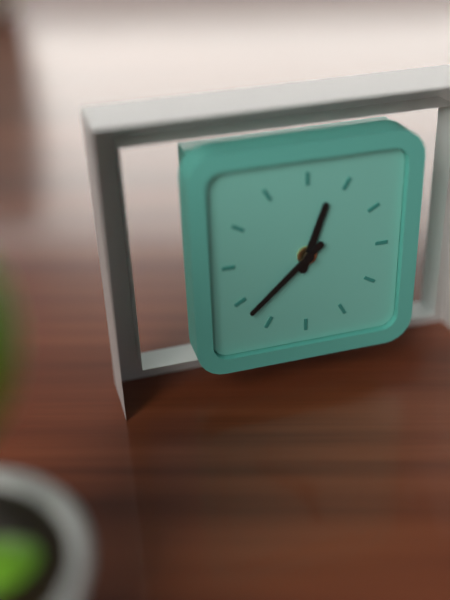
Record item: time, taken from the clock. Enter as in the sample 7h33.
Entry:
12h38
